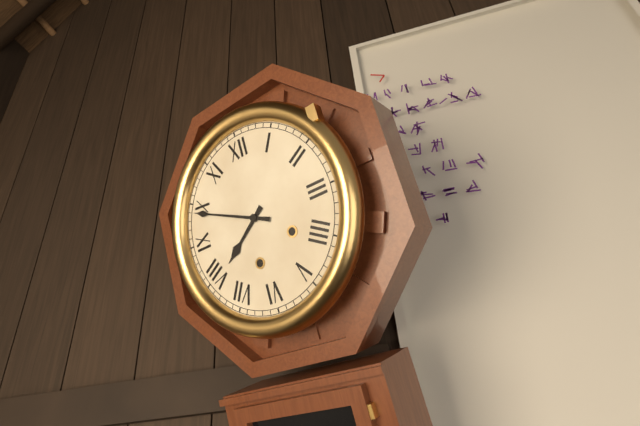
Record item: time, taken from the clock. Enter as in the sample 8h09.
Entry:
7h49
